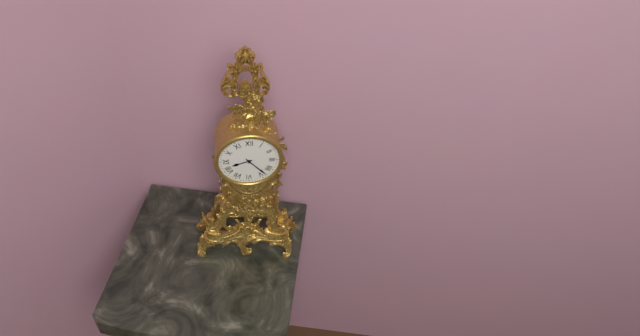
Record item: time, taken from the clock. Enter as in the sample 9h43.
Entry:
8h23
